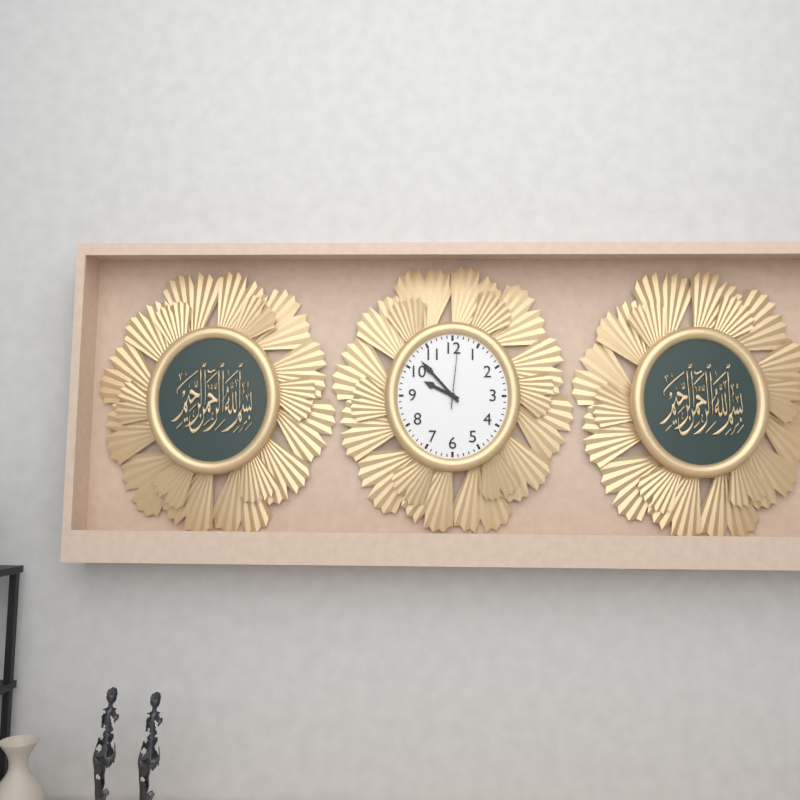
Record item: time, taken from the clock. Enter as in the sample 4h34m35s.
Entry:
9h53m01s
